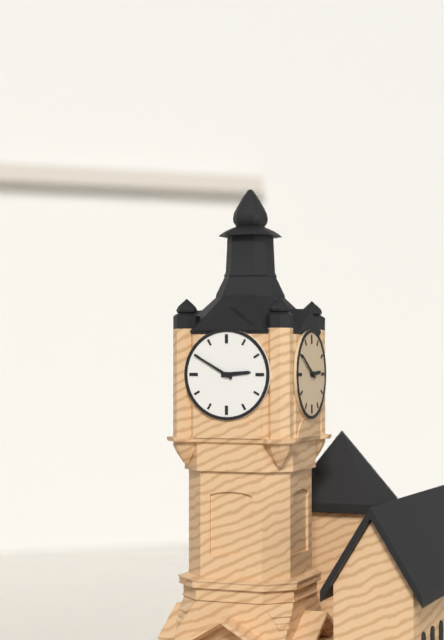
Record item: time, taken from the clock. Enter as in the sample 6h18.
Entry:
2h50
